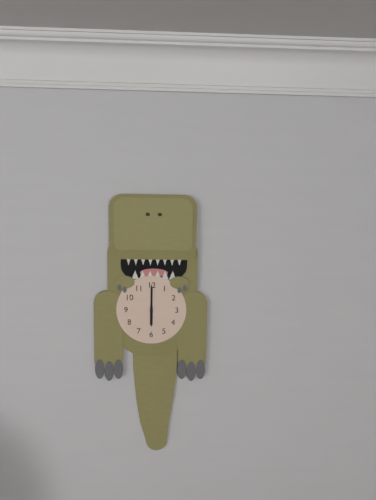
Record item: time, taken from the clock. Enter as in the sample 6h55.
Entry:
6h00
